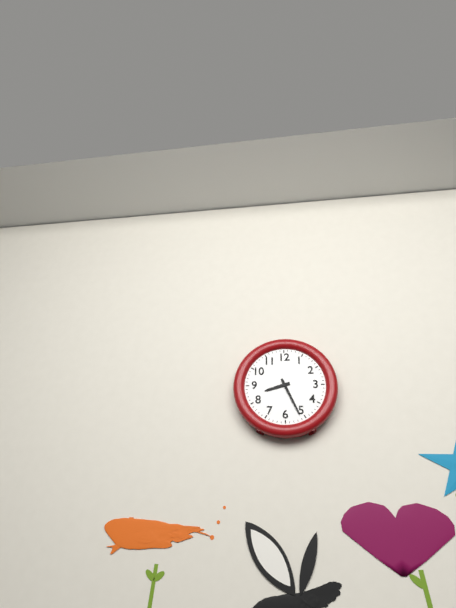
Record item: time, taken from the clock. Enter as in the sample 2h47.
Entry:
8h26
